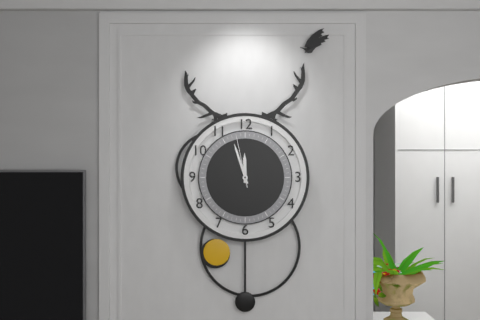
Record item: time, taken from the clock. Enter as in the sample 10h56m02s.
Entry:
11h57m58s
